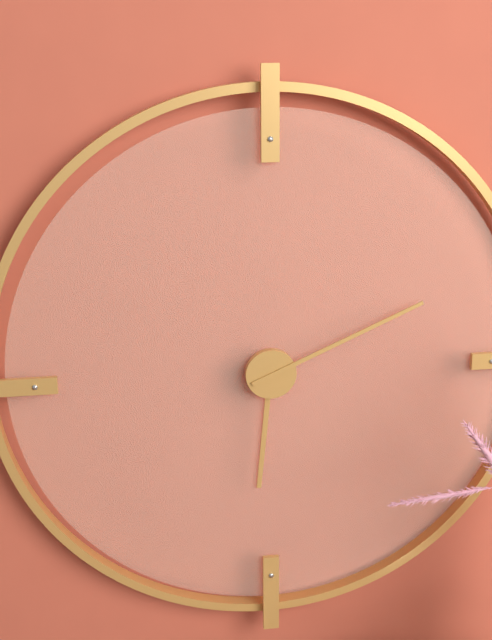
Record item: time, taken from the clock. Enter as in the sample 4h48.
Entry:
6h11
